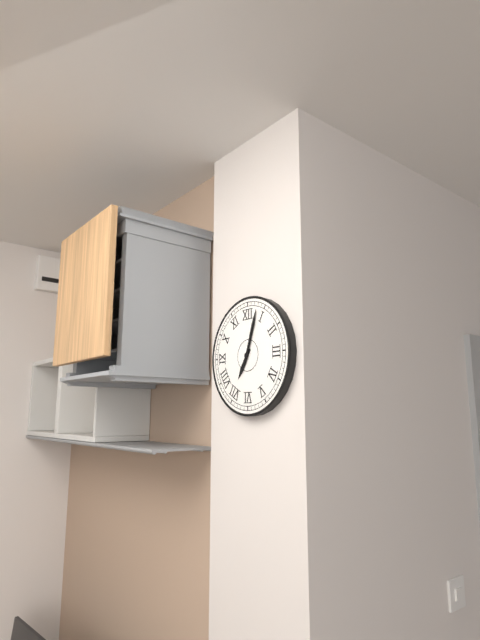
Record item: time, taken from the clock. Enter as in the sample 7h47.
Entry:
7h03
